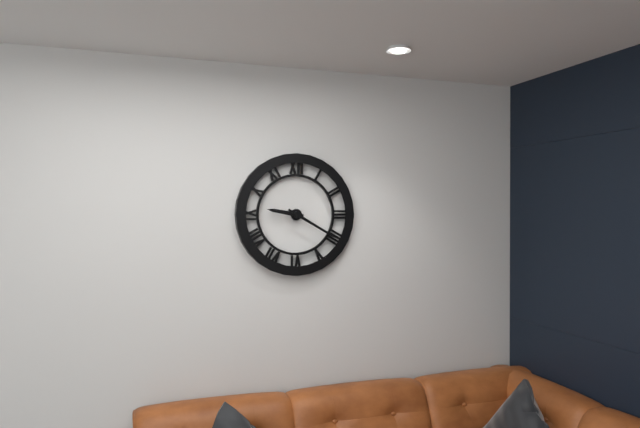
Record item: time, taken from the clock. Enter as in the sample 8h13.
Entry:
9h20
